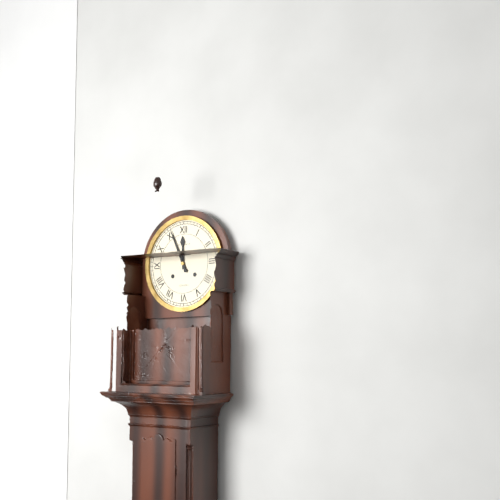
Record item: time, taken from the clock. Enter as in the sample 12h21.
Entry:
11h56
